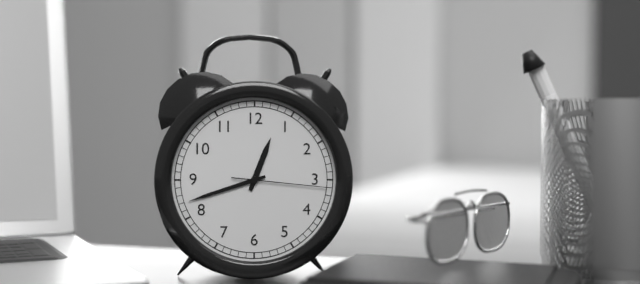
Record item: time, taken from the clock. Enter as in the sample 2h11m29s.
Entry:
12h42m16s
